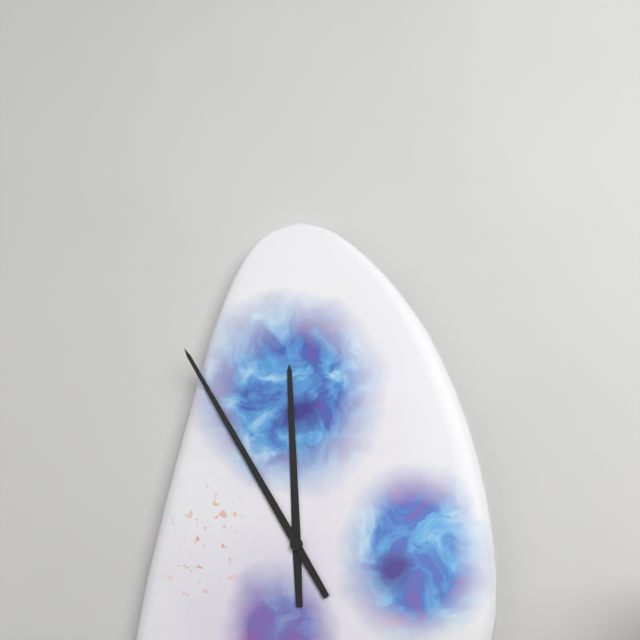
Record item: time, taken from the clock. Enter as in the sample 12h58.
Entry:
11h55
